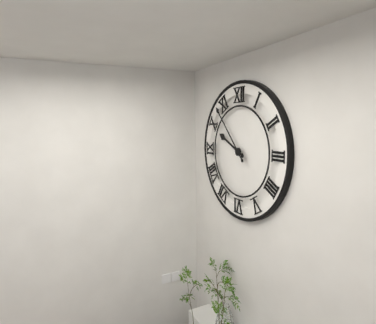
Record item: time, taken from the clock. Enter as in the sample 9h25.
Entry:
9h53
